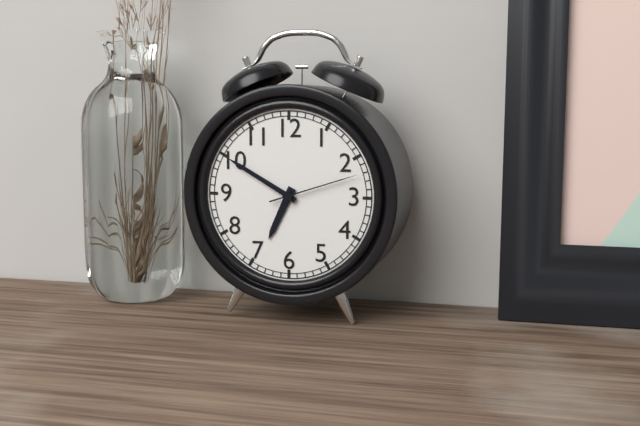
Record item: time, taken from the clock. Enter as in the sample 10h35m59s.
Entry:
6h50m12s
